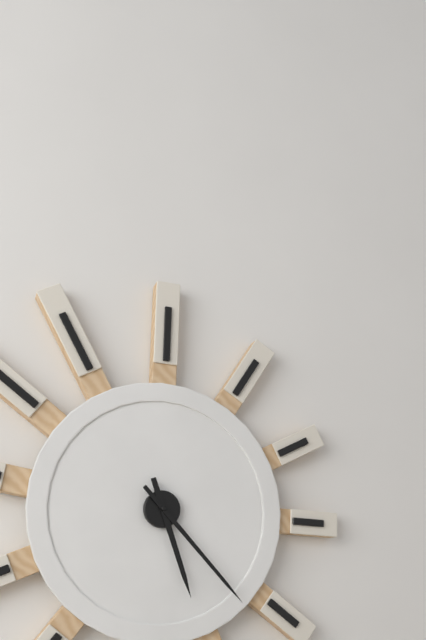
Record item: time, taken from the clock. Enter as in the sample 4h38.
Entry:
5h23
